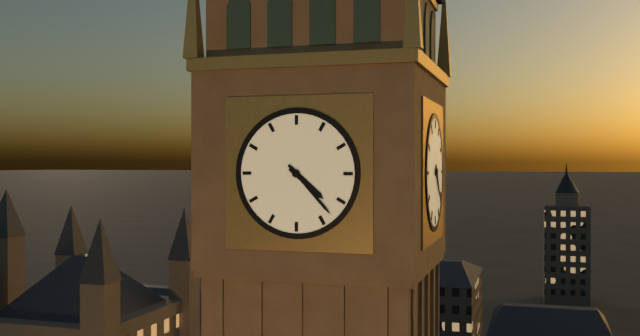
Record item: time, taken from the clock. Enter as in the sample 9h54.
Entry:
4h23
